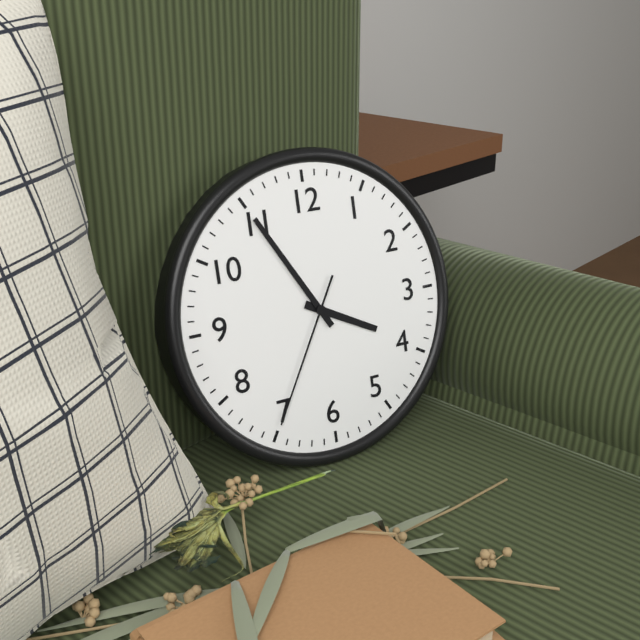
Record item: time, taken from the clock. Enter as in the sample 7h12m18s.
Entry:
3h55m35s
